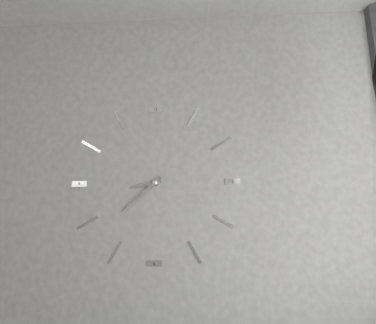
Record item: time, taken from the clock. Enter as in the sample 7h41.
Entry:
8h38
